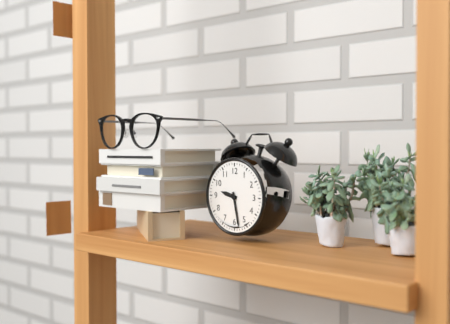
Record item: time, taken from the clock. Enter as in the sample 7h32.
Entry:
9h28
